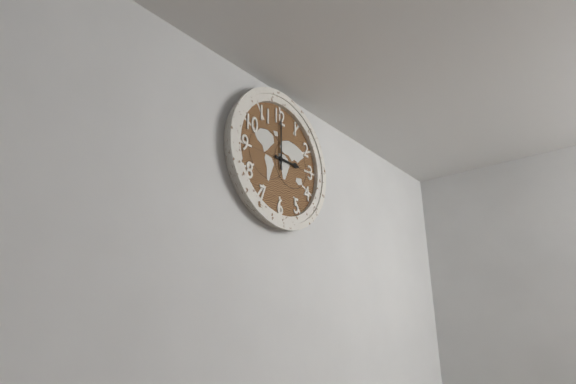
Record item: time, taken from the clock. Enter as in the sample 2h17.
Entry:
3h00
